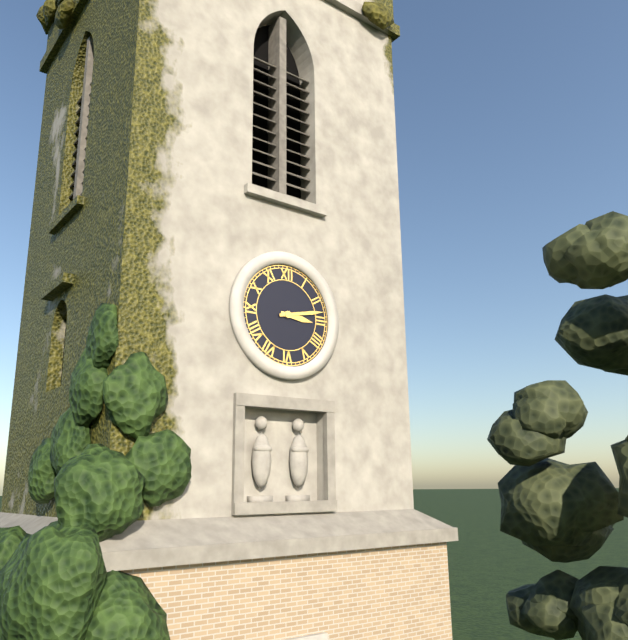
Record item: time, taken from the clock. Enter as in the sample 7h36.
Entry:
3h13
